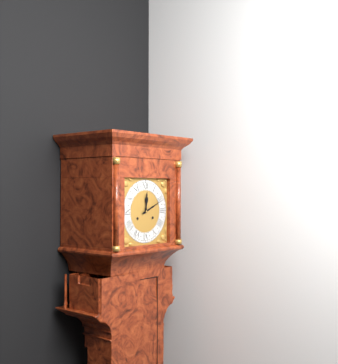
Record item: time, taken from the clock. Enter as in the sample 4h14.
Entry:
12h11
